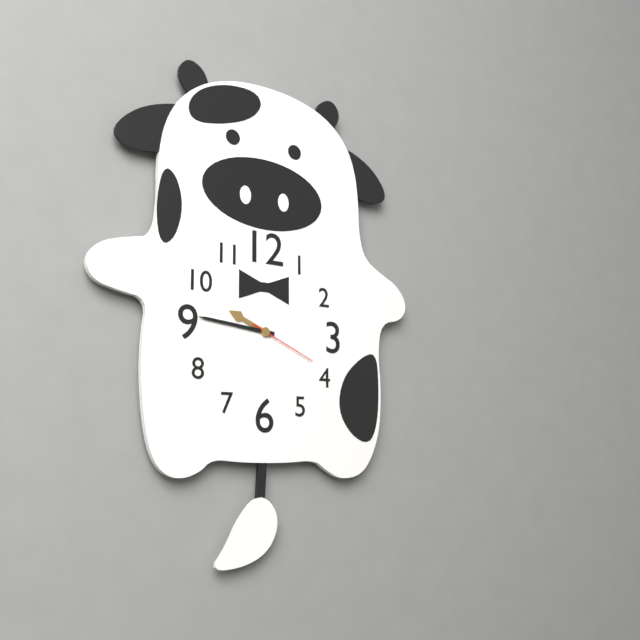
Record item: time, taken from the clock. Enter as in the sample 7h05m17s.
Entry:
9h46m19s
